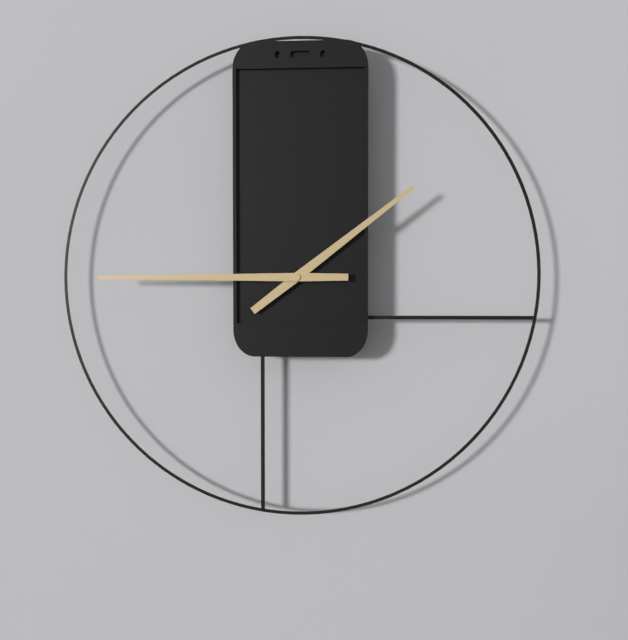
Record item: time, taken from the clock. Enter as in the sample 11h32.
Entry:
1h45
